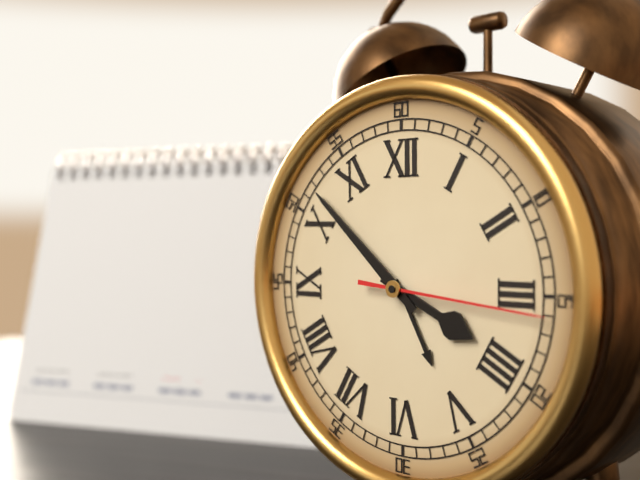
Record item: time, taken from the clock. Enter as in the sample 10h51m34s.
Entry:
3h52m16s
